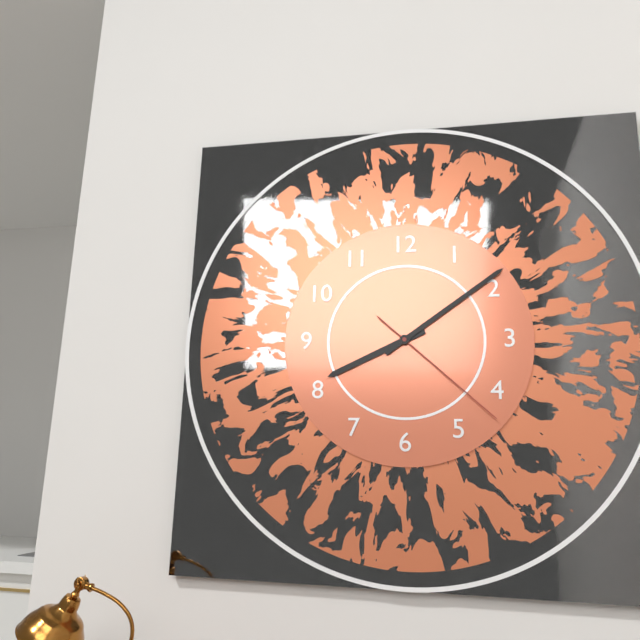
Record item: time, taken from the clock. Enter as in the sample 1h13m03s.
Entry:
8h09m22s
